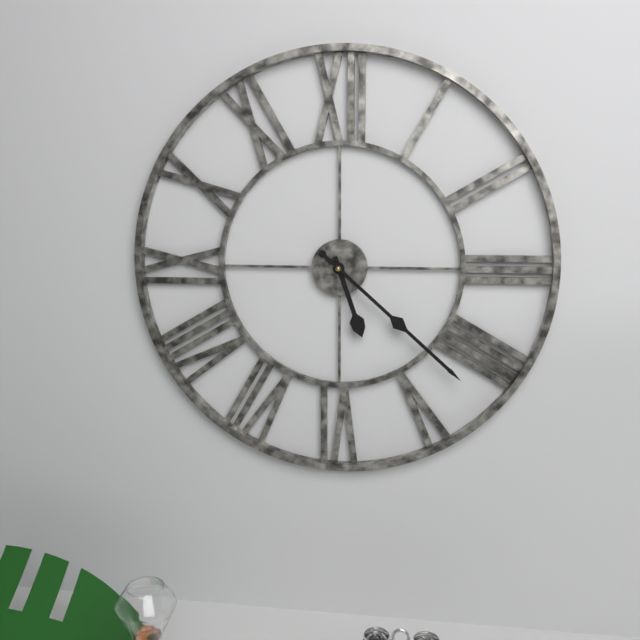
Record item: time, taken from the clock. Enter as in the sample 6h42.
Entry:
5h22
